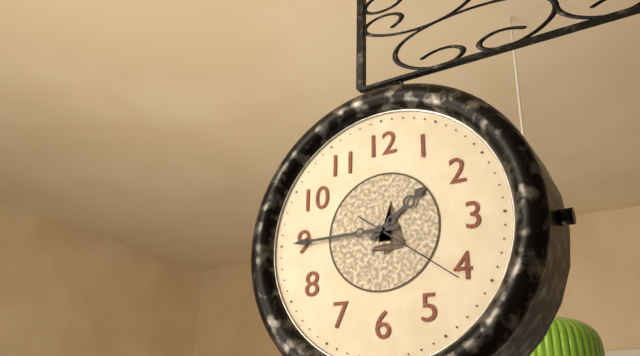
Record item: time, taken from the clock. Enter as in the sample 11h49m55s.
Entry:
1h45m21s
